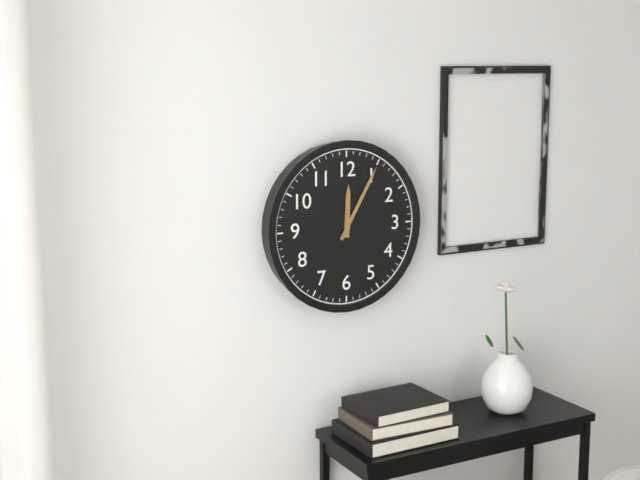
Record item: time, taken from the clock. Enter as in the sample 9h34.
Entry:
12h05
